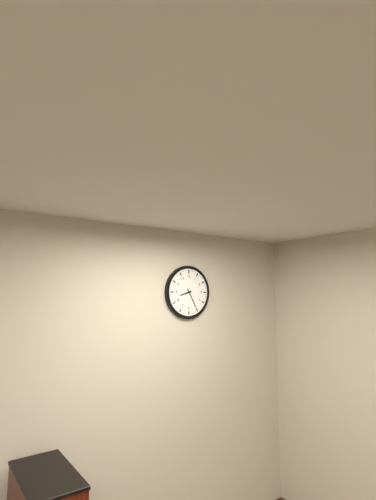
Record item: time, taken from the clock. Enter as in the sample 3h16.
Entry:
8h25
